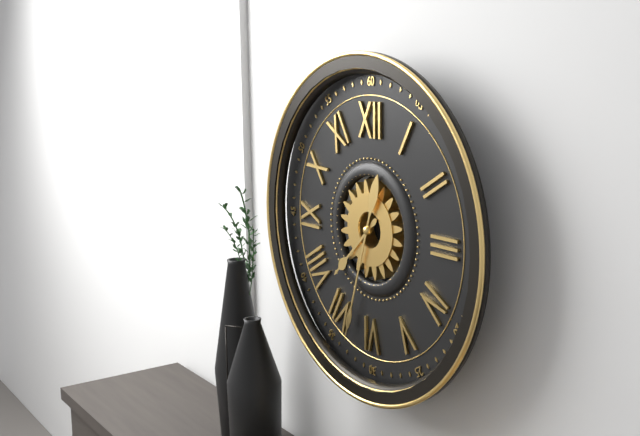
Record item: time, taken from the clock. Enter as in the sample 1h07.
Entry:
7h33
